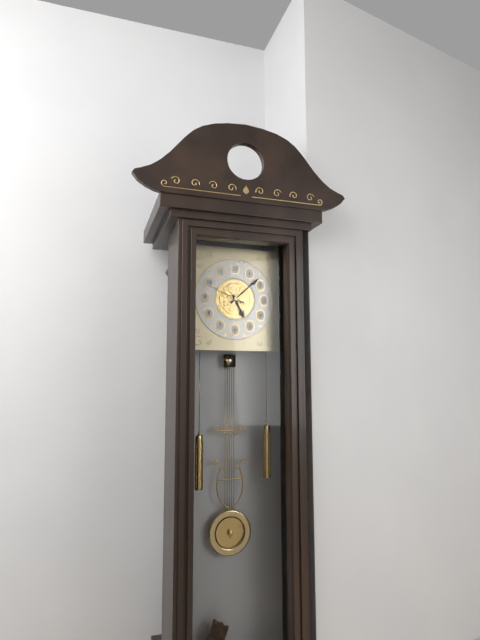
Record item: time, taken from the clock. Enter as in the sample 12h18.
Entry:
5h08
